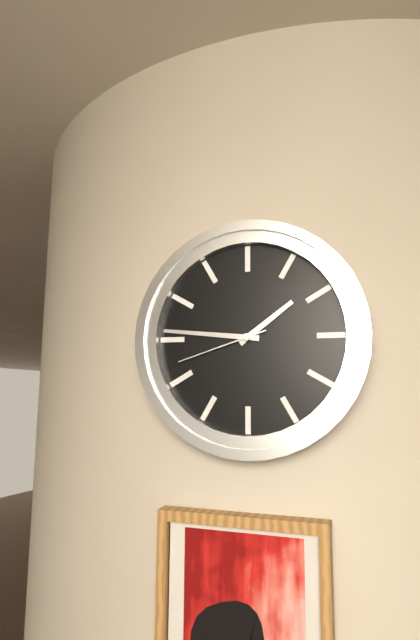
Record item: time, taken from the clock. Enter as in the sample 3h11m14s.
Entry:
1h46m42s
